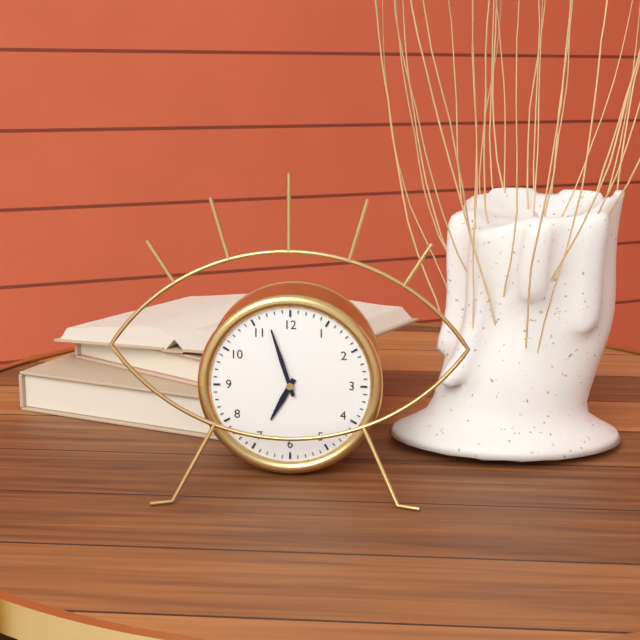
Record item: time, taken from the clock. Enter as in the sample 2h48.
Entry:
6h57
